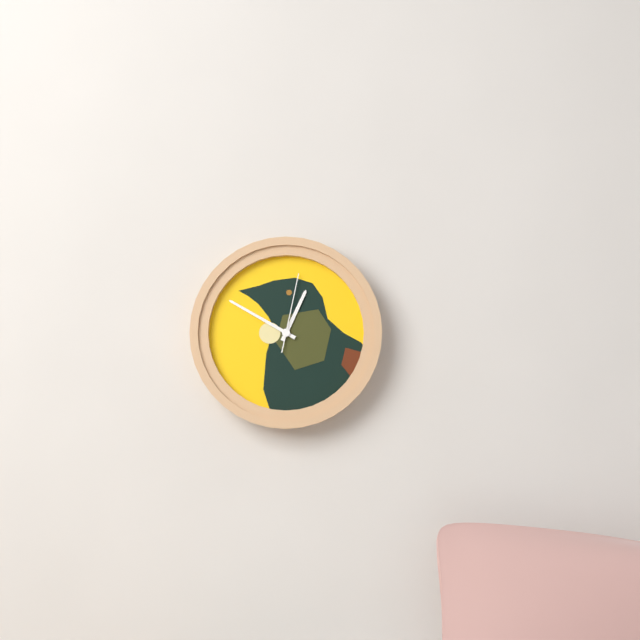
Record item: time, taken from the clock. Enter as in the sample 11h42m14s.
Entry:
12h50m02s
